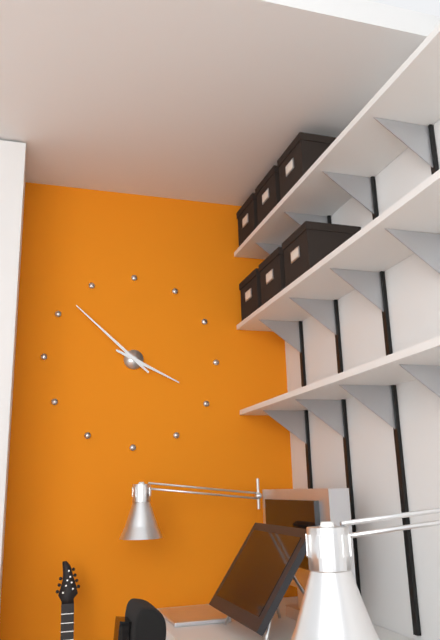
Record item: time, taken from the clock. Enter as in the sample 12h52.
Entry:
3h52
